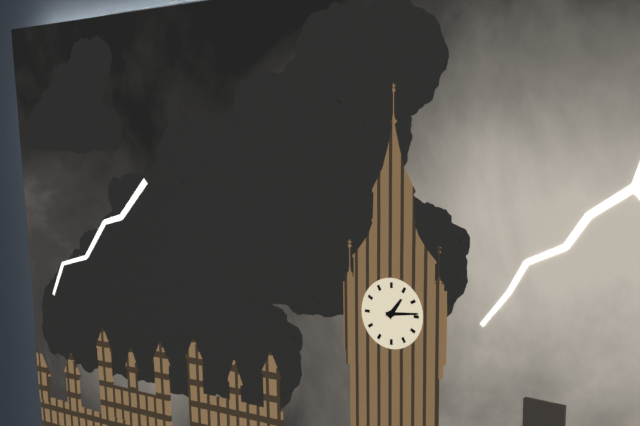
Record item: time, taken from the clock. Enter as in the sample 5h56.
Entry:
1h14
